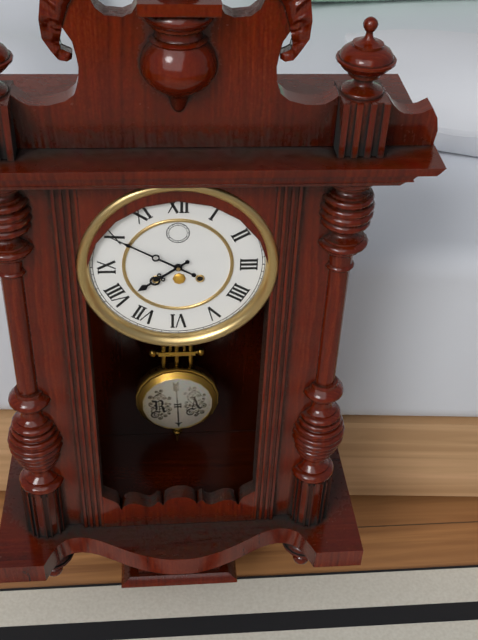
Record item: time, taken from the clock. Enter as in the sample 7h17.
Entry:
7h50
